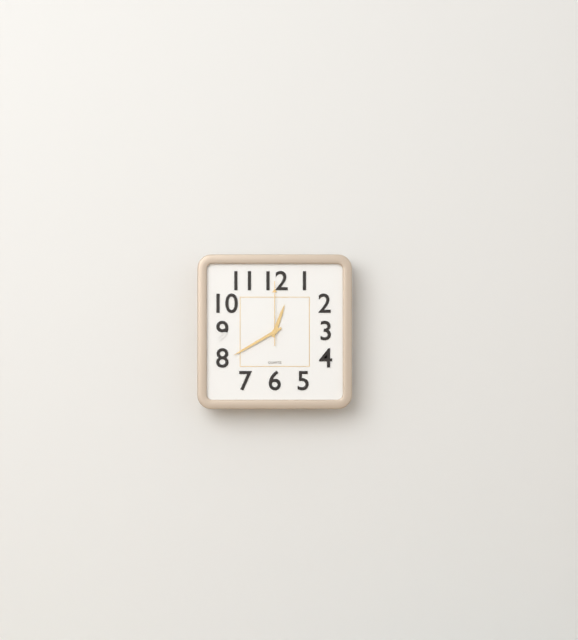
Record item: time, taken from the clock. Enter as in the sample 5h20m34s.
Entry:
12h40m00s
